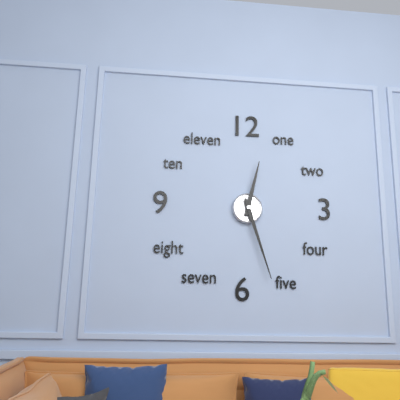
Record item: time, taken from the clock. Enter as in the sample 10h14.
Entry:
12h27
